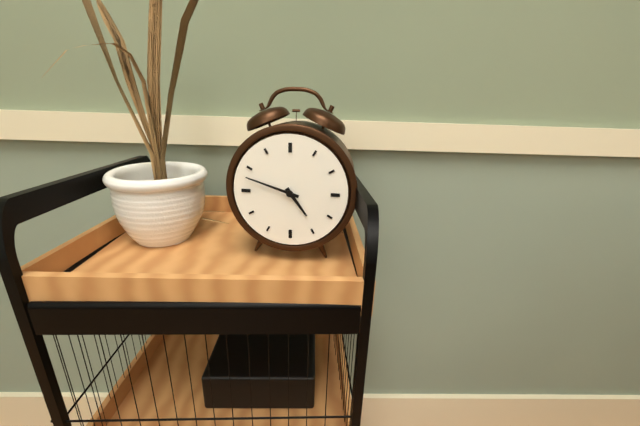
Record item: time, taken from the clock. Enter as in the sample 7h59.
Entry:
4h48
